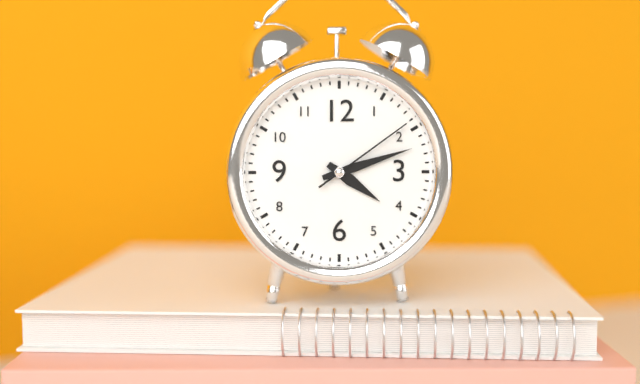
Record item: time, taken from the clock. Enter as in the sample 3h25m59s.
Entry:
4h12m09s
